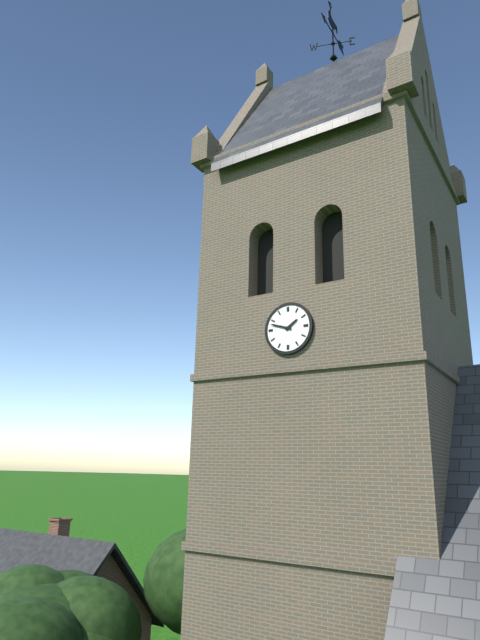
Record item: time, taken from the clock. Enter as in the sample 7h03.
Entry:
1h48
